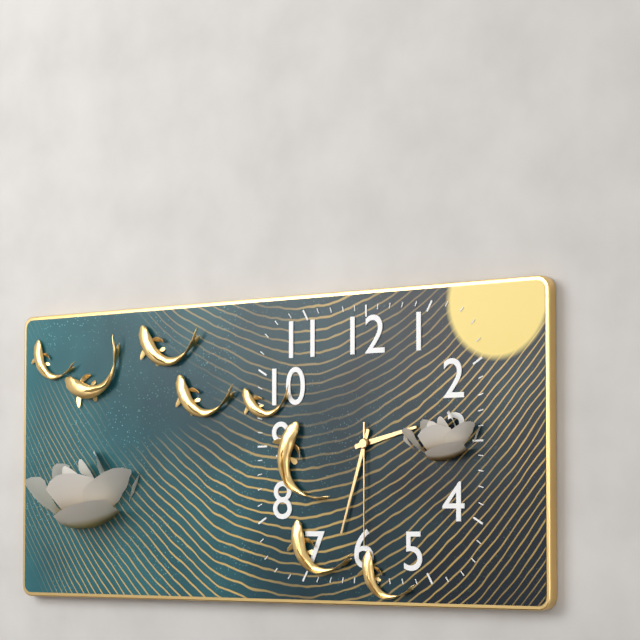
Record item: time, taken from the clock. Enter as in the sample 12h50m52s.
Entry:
2h33m30s
